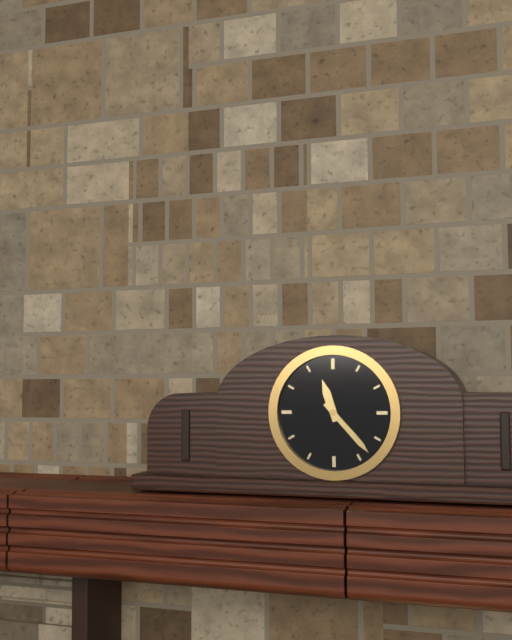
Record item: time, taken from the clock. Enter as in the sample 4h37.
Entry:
11h23
